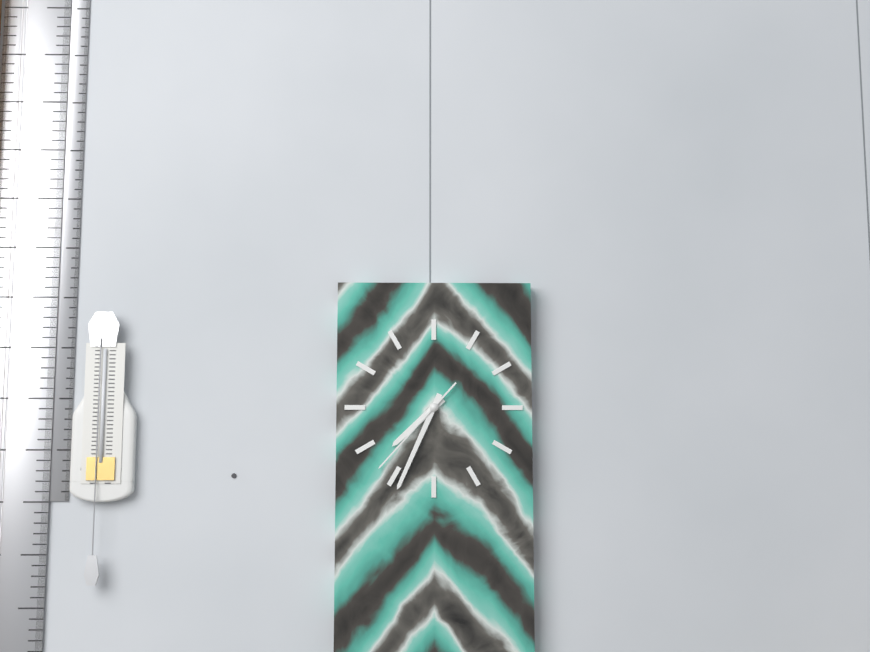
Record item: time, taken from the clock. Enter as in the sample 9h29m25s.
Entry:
7h34m37s
